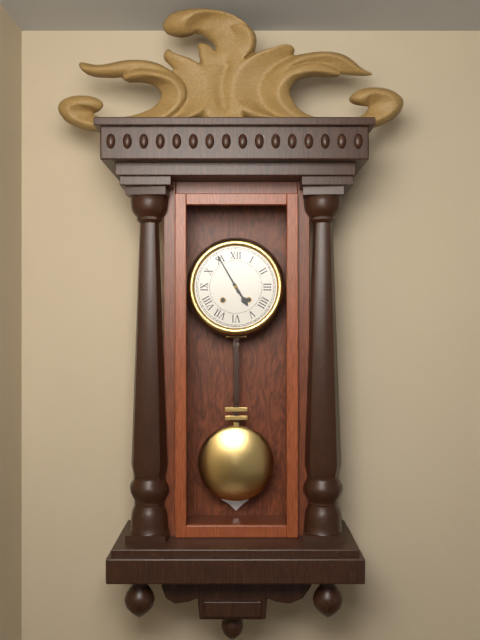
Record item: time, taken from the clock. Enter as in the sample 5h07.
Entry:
4h55
